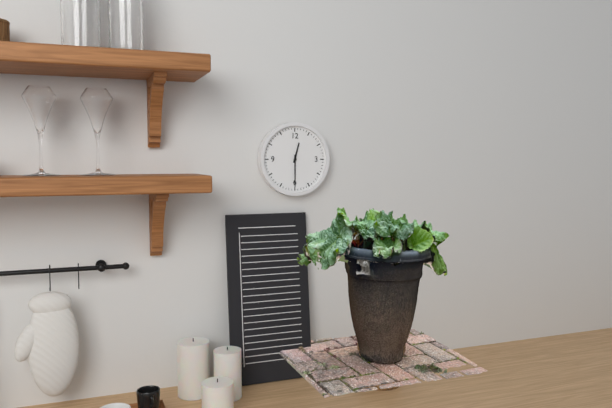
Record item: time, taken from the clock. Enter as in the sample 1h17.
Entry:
12h30
